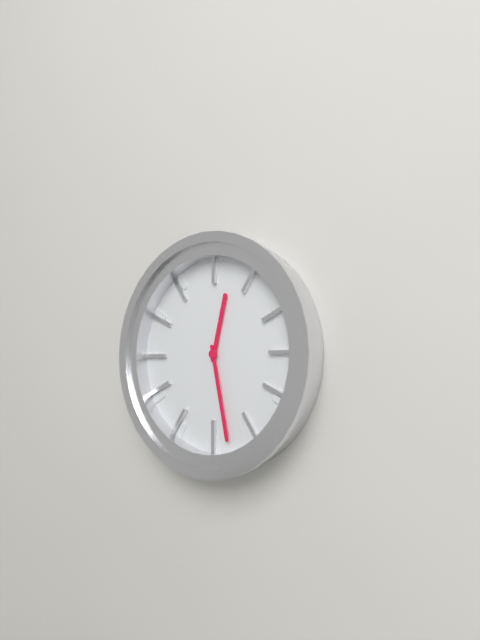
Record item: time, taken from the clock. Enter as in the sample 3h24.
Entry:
12h28
